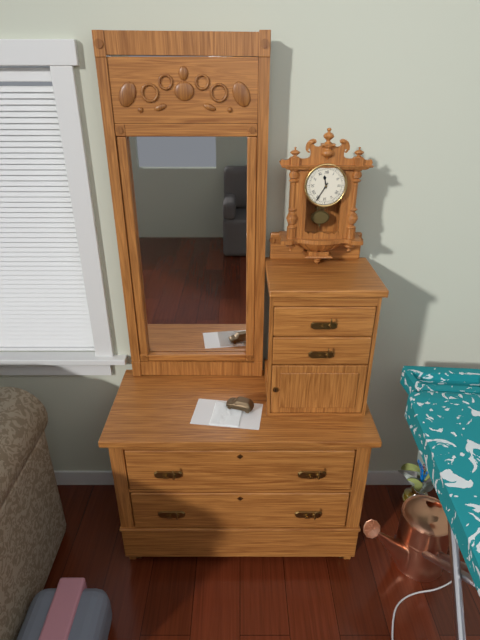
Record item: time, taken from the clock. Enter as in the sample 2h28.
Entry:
11h35
